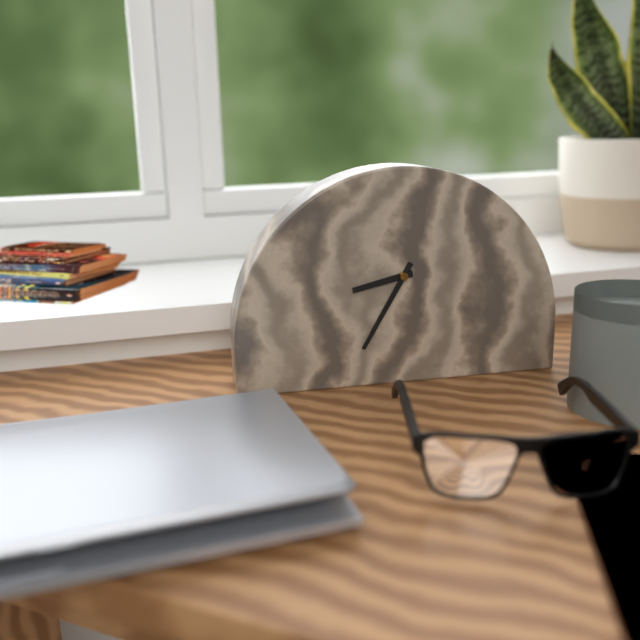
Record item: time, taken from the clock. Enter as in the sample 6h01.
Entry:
8h35
